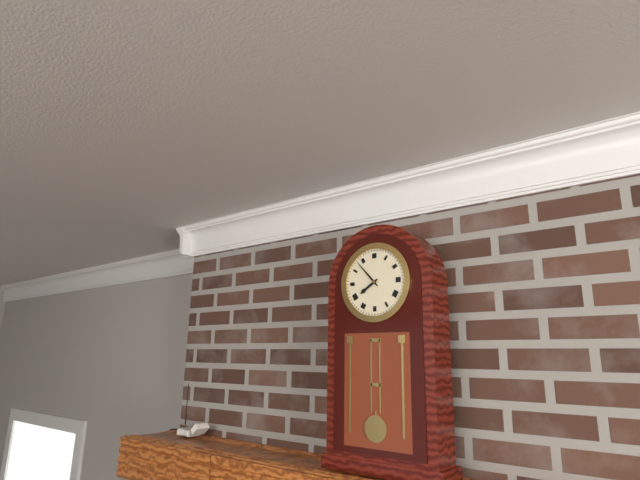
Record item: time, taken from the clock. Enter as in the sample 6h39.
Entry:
7h53
